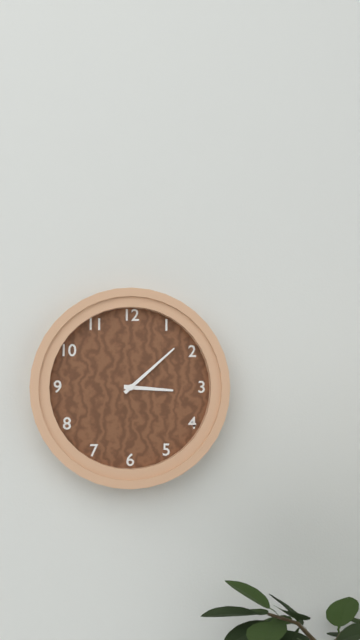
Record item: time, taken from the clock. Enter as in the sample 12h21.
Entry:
3h08
